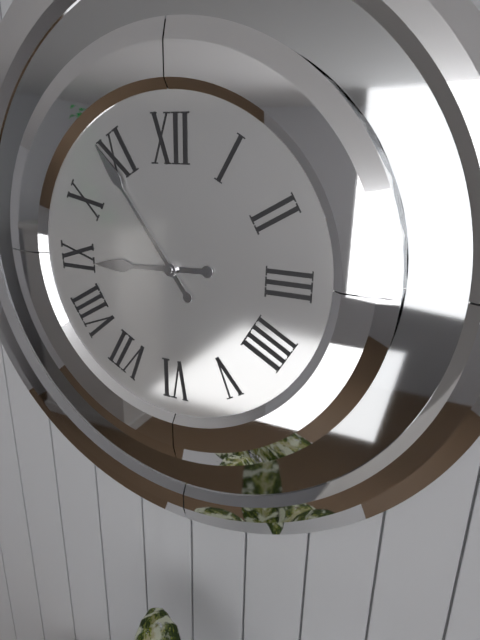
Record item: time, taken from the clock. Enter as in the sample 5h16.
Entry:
8h54
